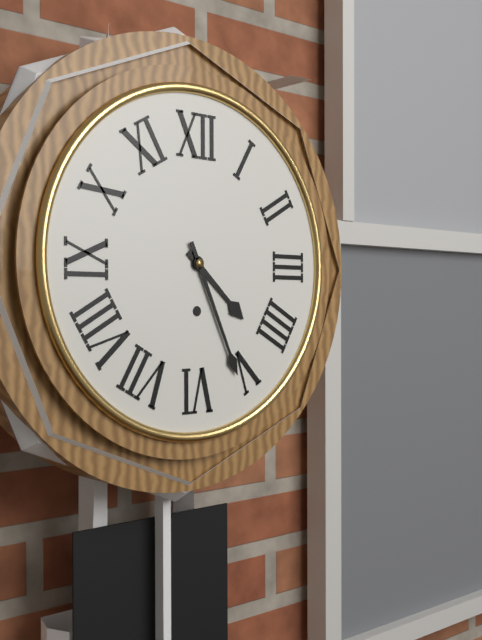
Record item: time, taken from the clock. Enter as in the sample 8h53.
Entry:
4h26
